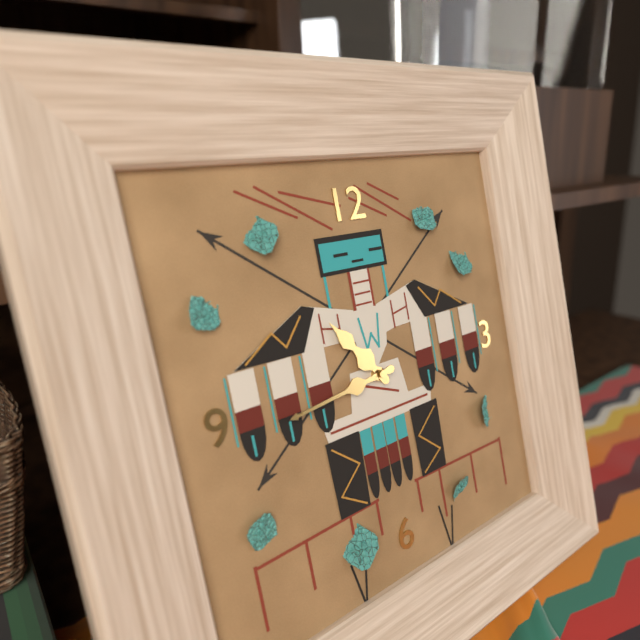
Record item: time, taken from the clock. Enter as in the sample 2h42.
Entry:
10h44
